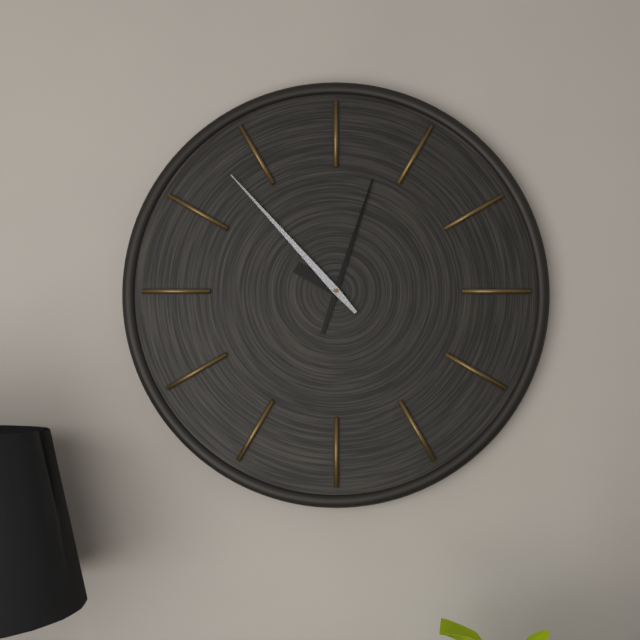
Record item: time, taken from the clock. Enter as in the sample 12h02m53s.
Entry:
10h03m53s
